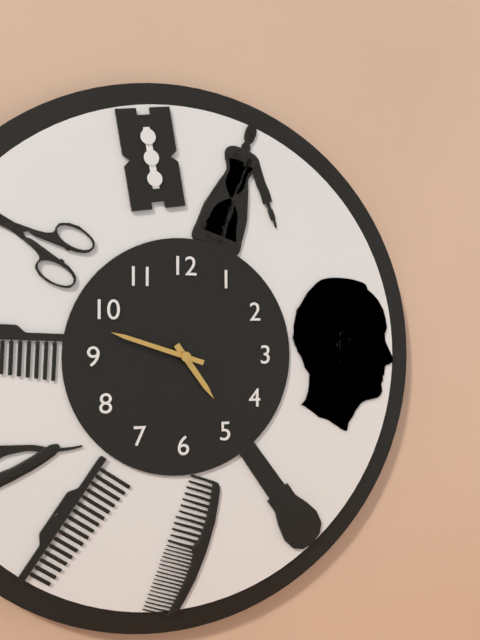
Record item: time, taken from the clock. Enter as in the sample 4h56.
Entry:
4h48
